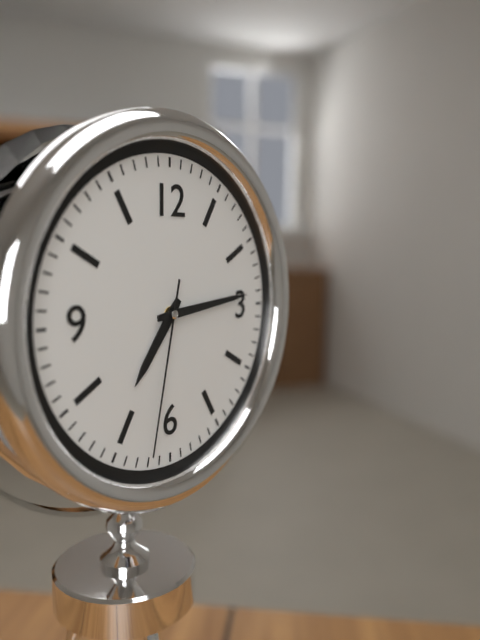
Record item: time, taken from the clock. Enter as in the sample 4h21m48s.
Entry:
7h14m32s
